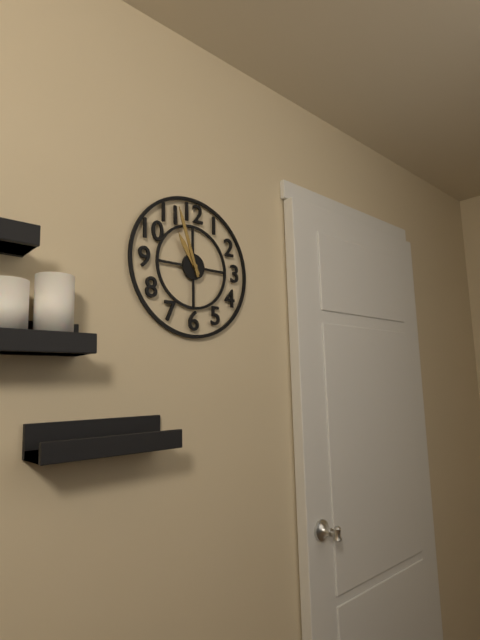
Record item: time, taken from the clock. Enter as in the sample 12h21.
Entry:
10h57
